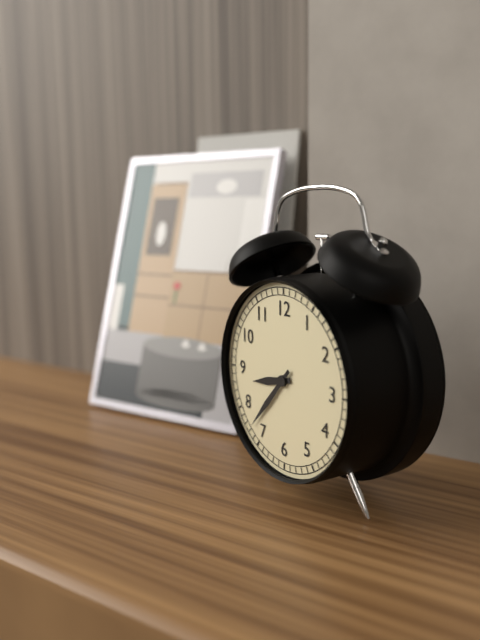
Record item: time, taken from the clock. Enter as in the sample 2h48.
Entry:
8h37
